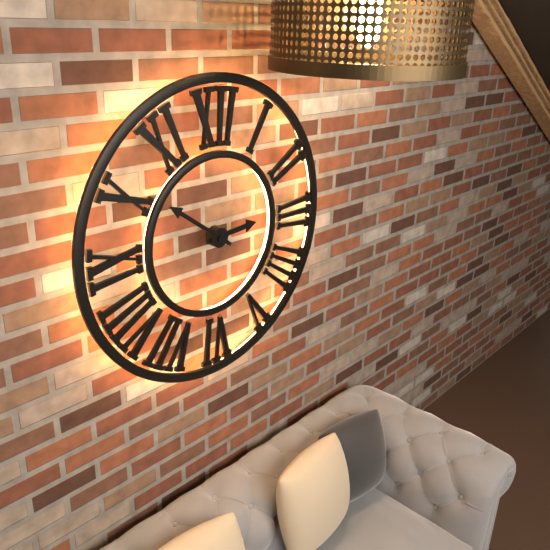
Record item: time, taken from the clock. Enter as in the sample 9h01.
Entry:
2h51
